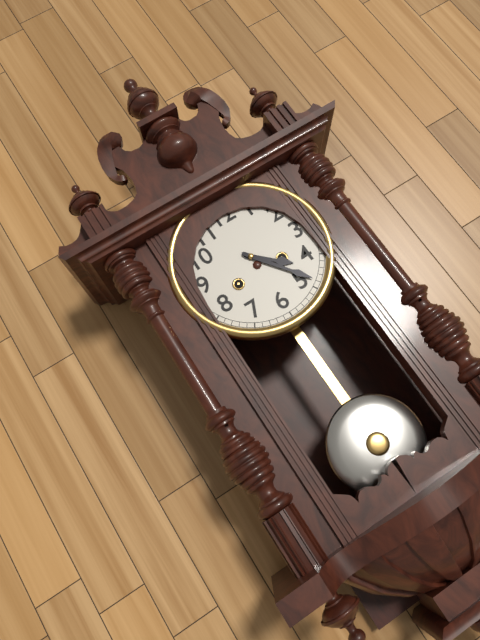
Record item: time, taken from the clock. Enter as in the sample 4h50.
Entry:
4h24
